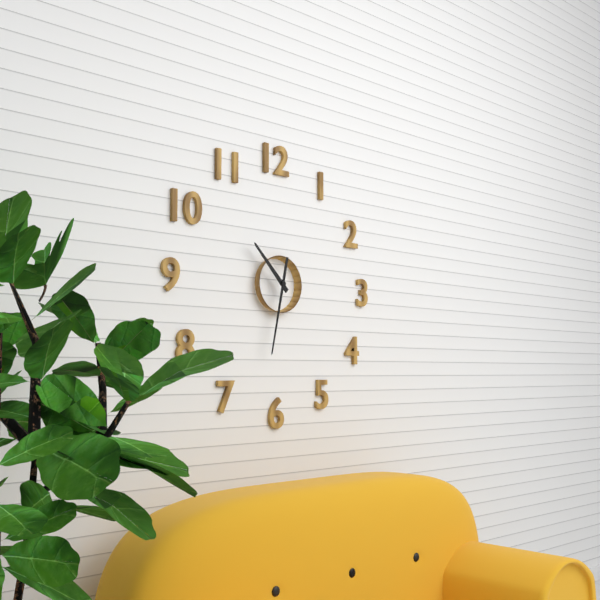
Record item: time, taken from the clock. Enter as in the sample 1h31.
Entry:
10h32
